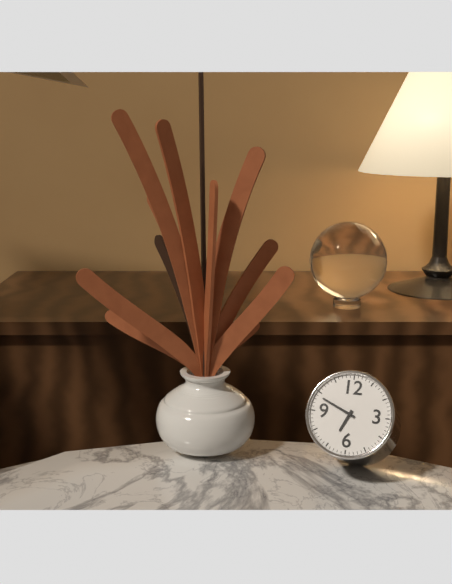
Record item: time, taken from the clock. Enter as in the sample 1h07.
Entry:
6h49
